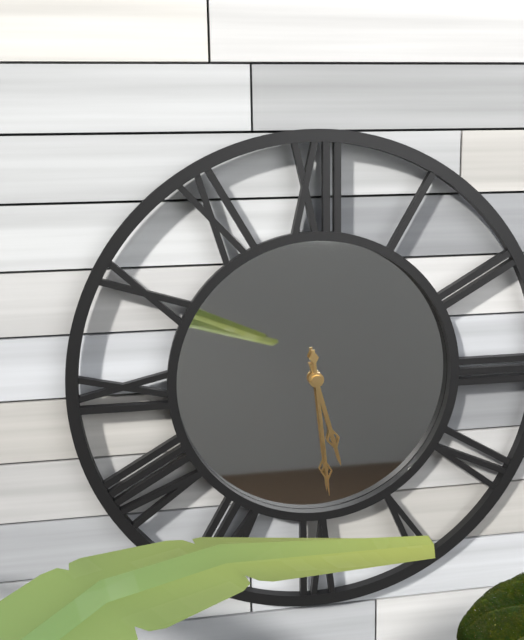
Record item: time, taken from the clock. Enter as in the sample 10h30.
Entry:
5h29
